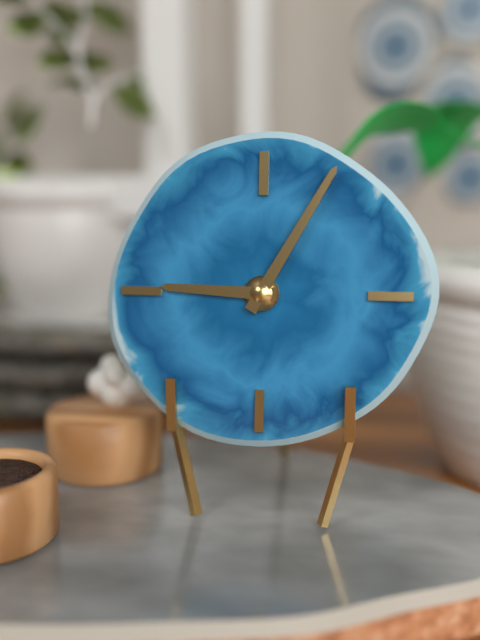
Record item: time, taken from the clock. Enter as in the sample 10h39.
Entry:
9h05
